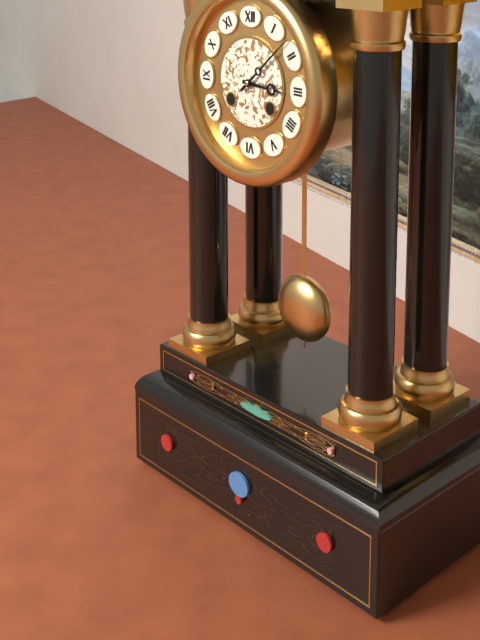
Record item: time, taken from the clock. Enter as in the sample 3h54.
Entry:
3h08
